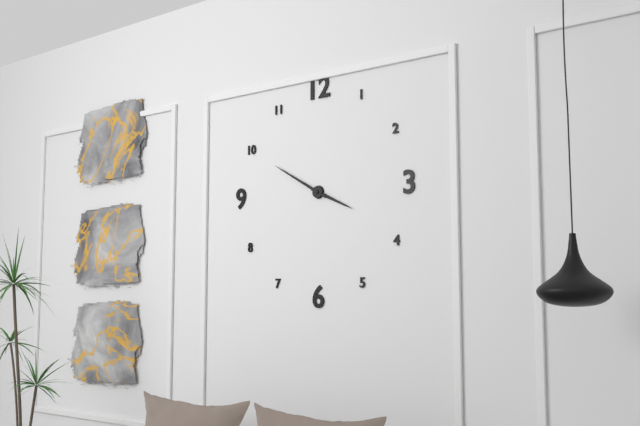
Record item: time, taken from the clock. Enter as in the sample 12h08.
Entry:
3h50
